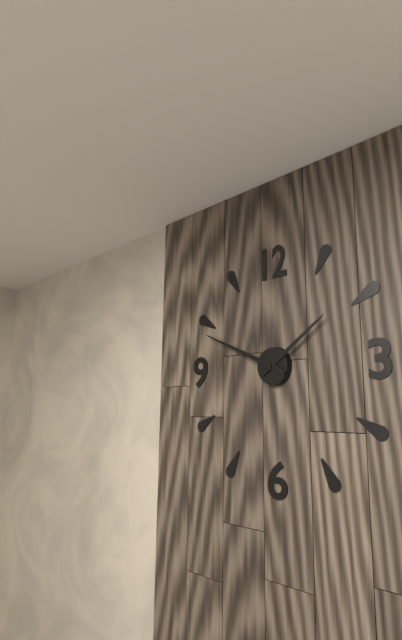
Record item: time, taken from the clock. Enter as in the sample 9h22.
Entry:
1h49
